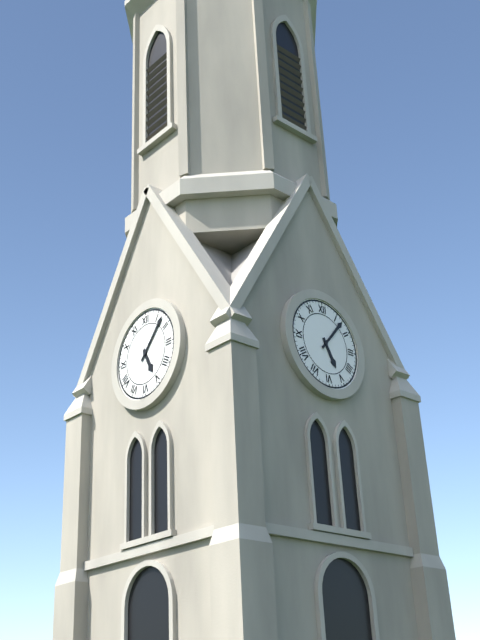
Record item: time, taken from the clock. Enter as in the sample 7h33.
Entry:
5h07
